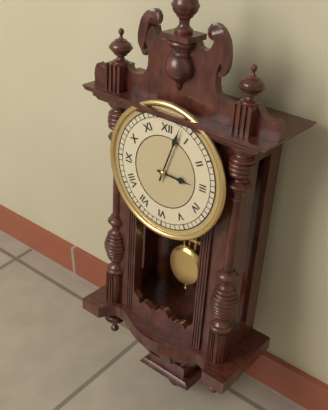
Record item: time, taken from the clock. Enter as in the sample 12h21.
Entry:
3h03
